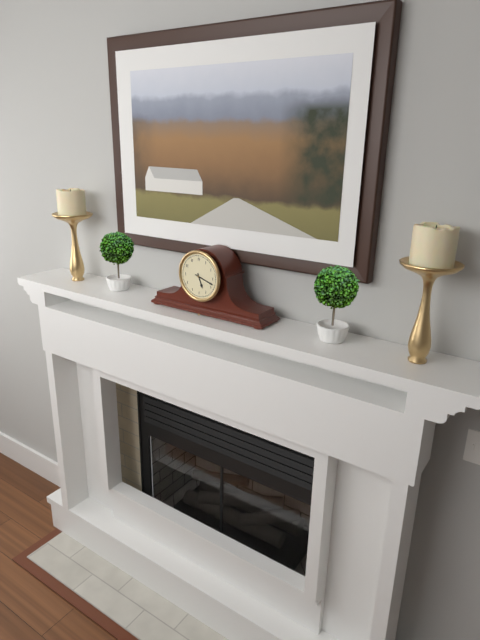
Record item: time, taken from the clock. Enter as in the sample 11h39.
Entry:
5h18
